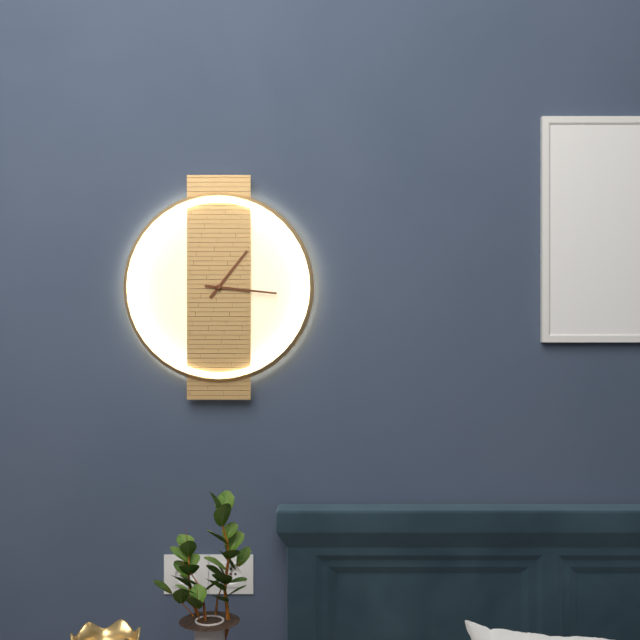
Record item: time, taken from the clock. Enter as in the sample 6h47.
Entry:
1h16
